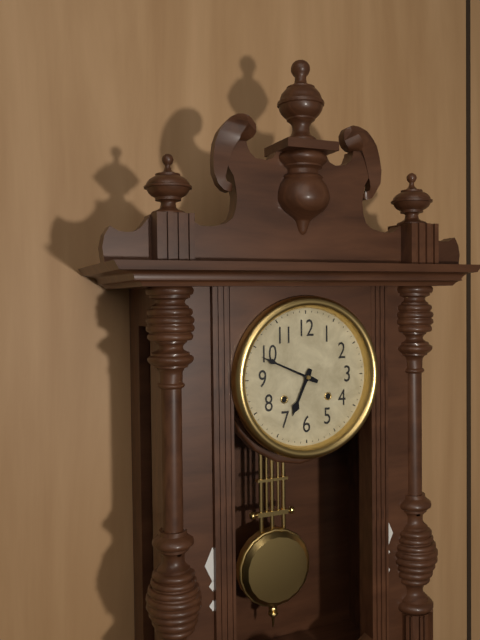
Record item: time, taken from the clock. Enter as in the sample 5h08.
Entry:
6h49
